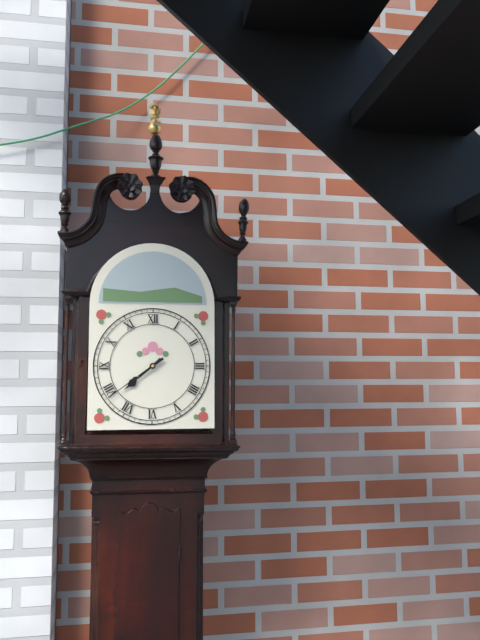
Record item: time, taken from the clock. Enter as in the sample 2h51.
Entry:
7h39
